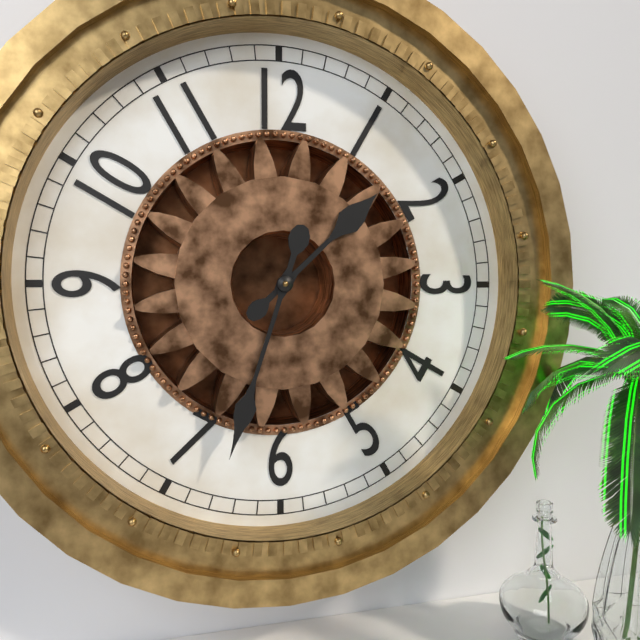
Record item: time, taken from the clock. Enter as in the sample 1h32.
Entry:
1h33
